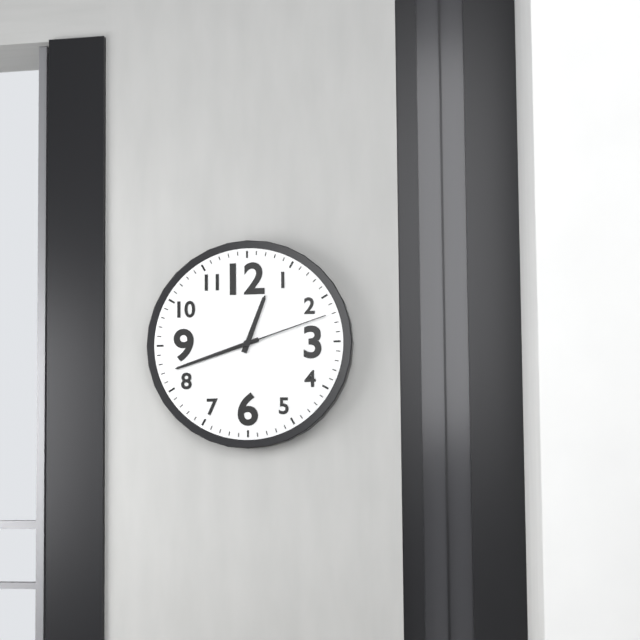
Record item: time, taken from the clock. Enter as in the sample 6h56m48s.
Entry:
12h42m12s
